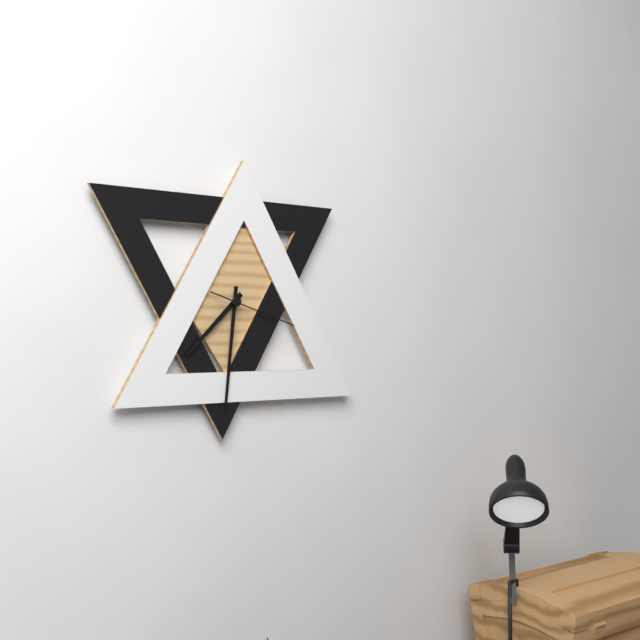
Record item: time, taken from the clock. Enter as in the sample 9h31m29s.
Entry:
7h31m18s
